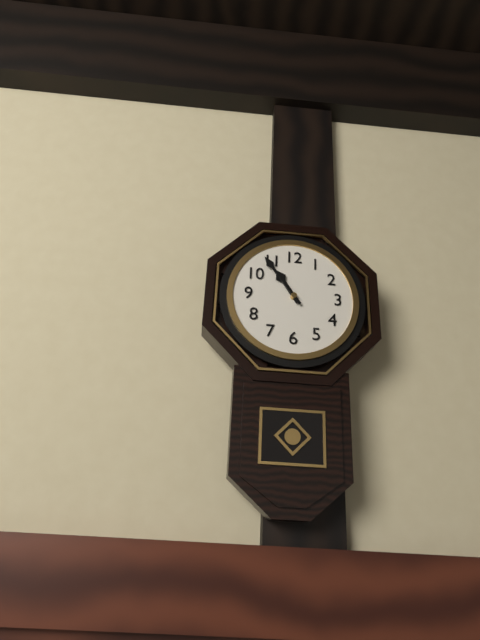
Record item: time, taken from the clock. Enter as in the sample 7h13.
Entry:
10h54
